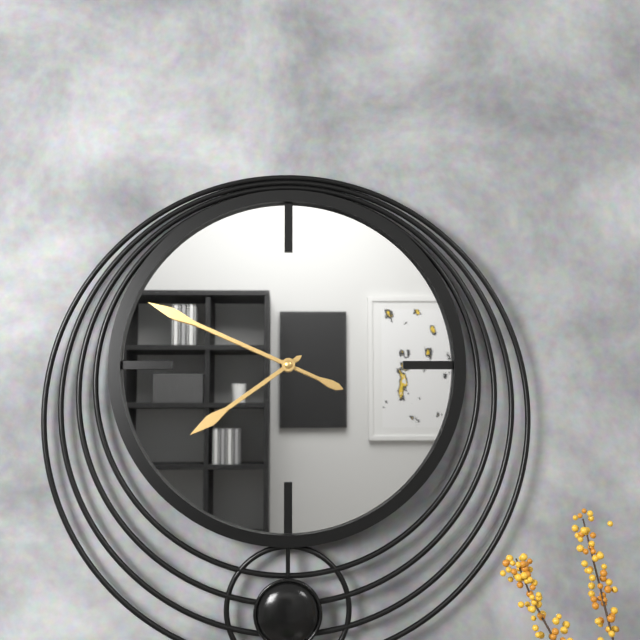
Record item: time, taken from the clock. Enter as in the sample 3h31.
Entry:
7h49
